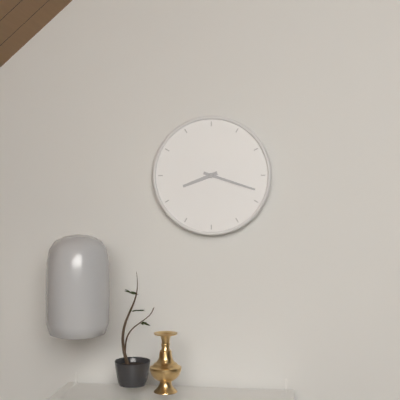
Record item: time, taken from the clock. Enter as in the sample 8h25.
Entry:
8h18
